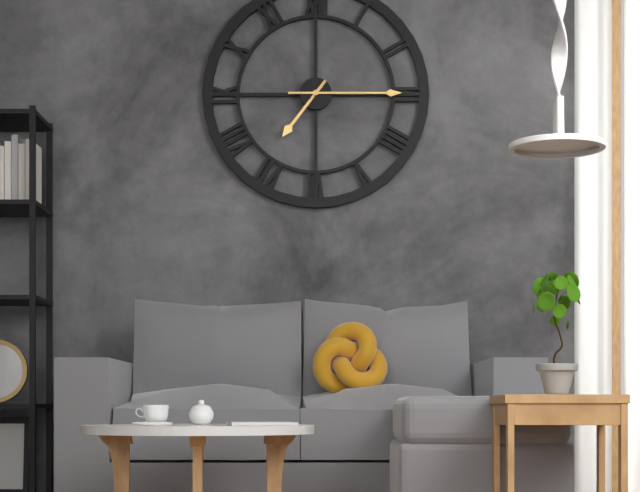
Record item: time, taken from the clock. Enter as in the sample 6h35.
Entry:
7h15
